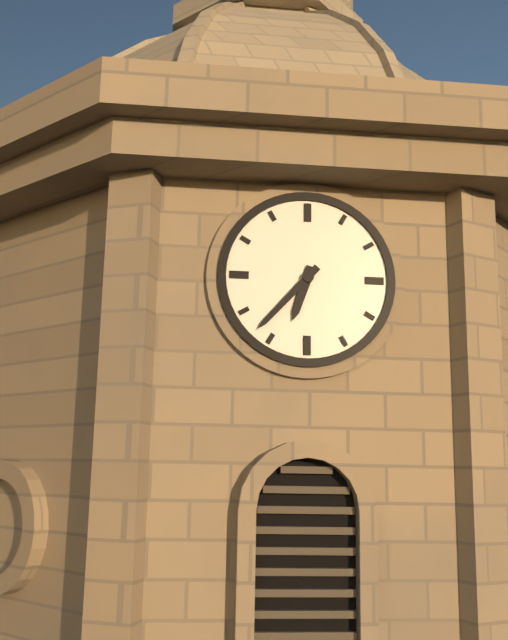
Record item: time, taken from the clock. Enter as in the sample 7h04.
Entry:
6h37
